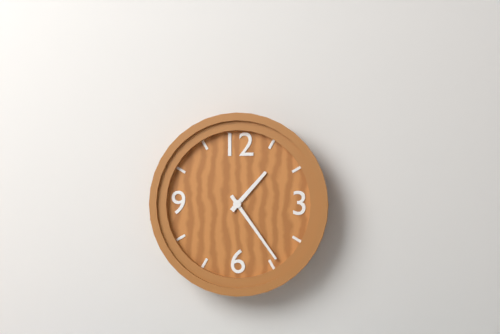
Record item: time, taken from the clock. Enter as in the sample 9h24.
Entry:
1h24
